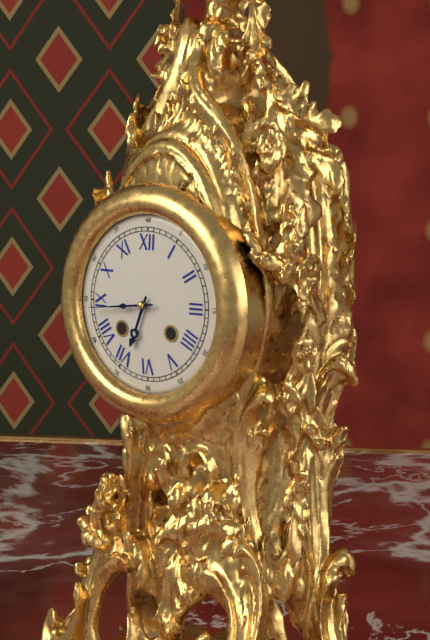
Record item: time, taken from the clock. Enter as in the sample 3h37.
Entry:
6h44
